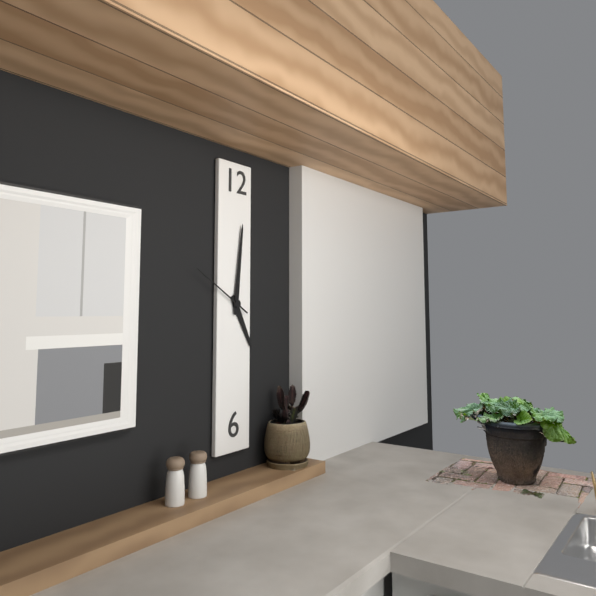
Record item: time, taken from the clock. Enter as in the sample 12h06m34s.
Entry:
5h01m50s
